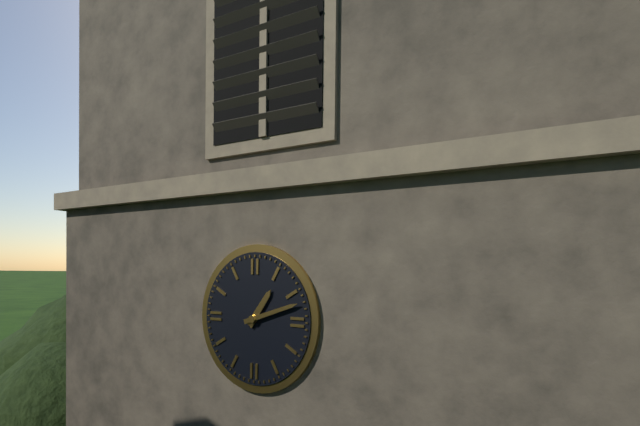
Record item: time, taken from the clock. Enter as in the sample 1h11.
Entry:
1h12
